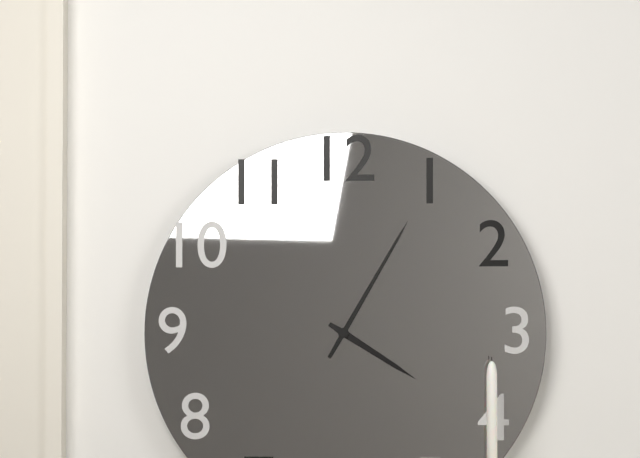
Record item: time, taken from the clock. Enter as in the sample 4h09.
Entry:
4h05
